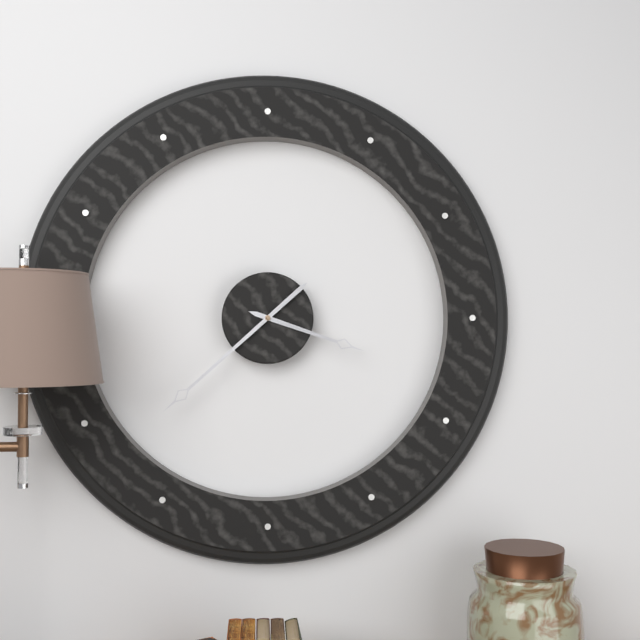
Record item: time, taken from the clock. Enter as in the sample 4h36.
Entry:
3h38
